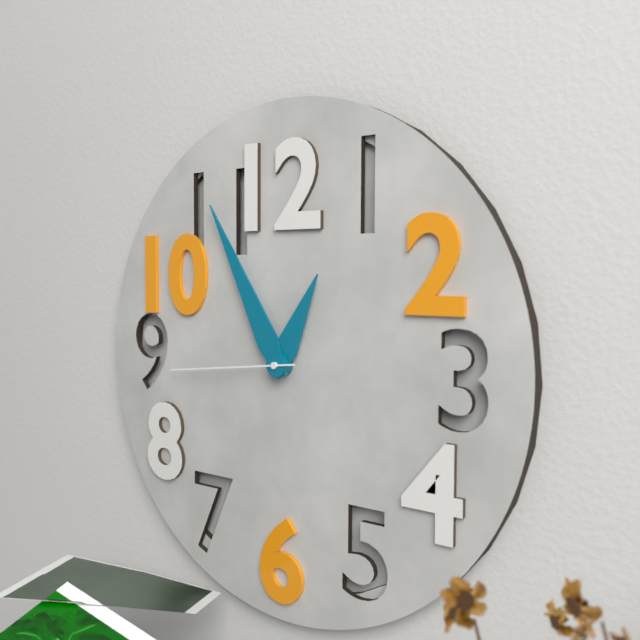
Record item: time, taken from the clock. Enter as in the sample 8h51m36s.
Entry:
12h55m44s
